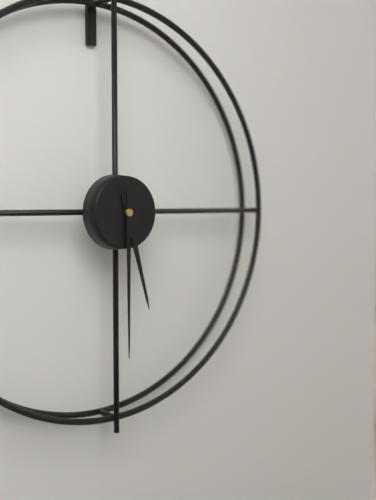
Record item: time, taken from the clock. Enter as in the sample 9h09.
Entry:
5h30
